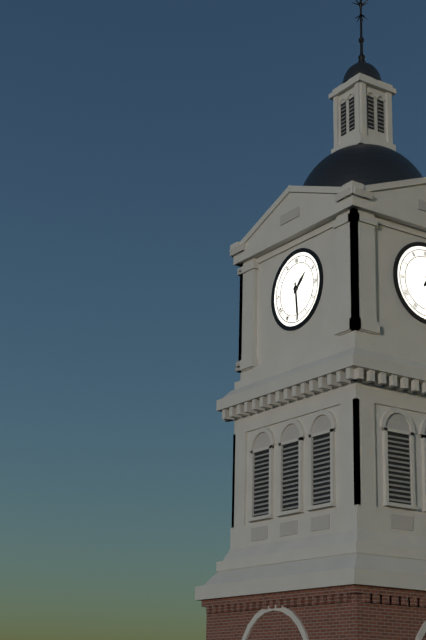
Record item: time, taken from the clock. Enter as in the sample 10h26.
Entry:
1h29
